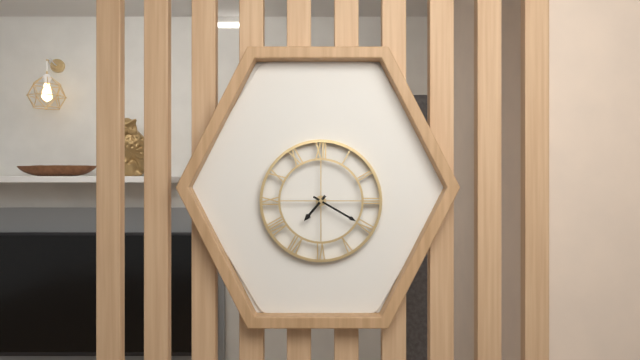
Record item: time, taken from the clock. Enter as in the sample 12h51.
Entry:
7h20
